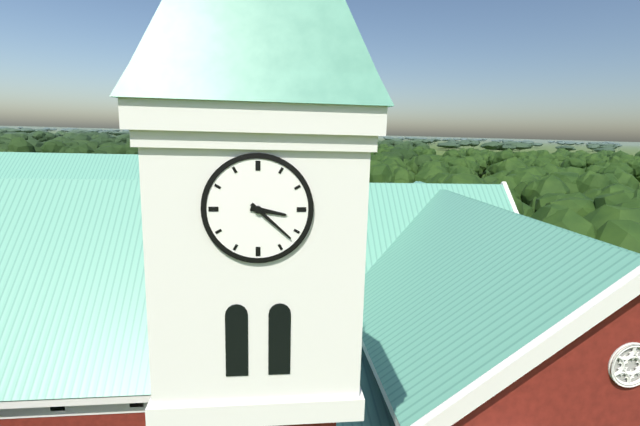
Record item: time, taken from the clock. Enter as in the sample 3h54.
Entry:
3h22
